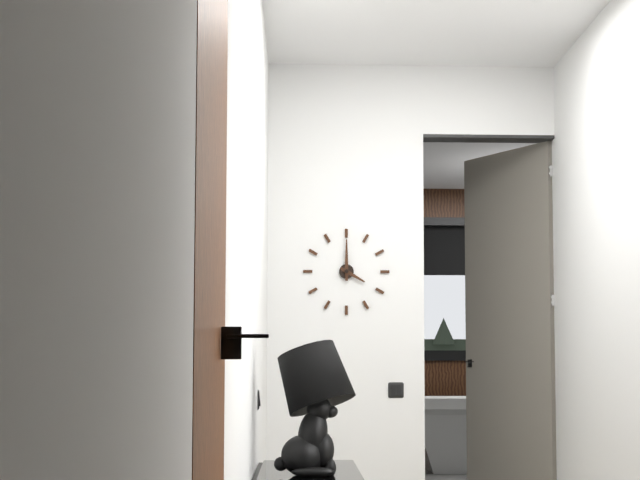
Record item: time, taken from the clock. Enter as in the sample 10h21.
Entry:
4h00
